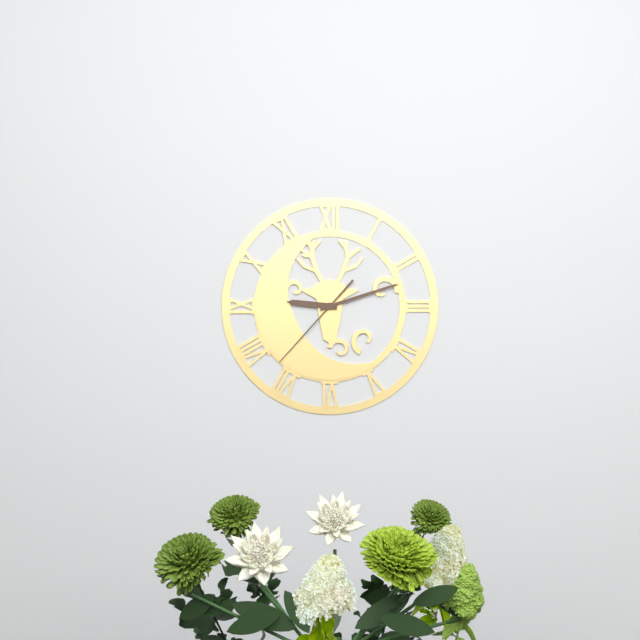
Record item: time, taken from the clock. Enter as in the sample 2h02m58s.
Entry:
9h12m37s
